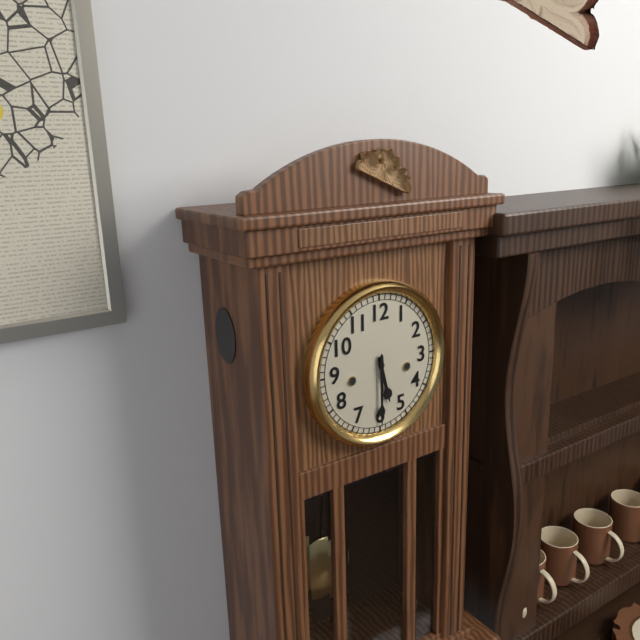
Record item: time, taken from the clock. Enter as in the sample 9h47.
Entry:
5h30
